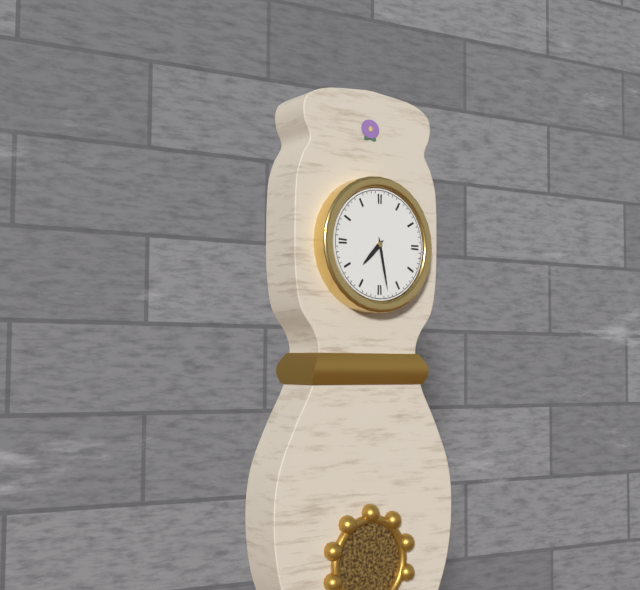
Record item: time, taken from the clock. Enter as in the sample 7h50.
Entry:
7h28
